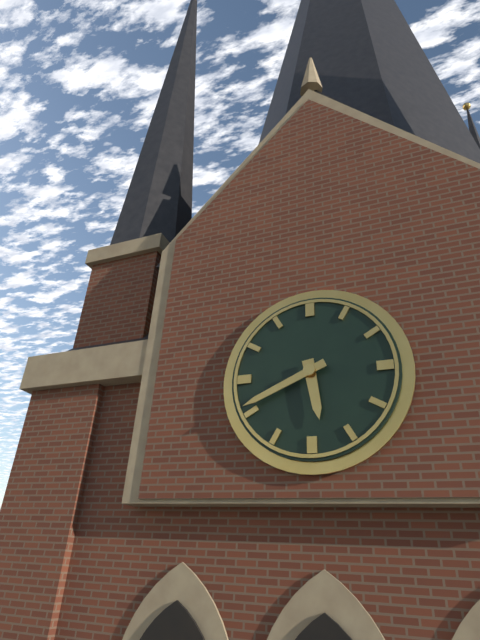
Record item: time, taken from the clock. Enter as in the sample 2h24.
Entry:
5h41
